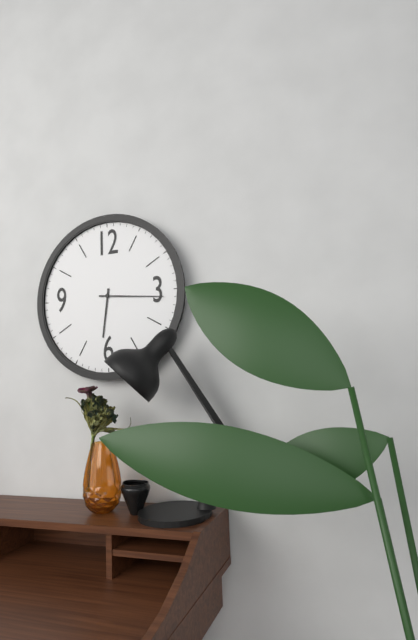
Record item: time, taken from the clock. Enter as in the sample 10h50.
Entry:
6h16
